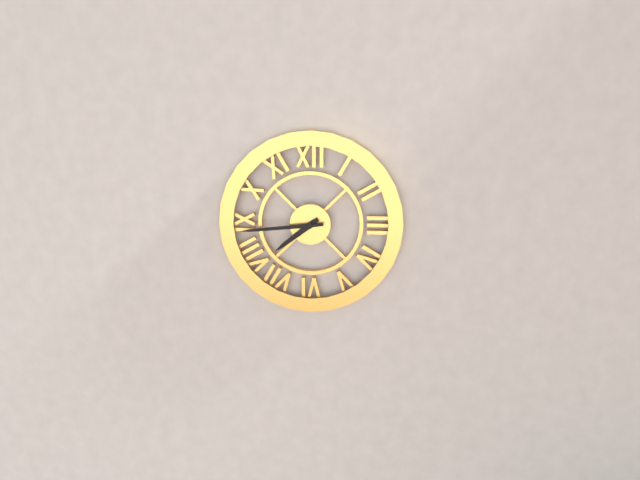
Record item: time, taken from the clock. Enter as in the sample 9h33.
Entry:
7h44
